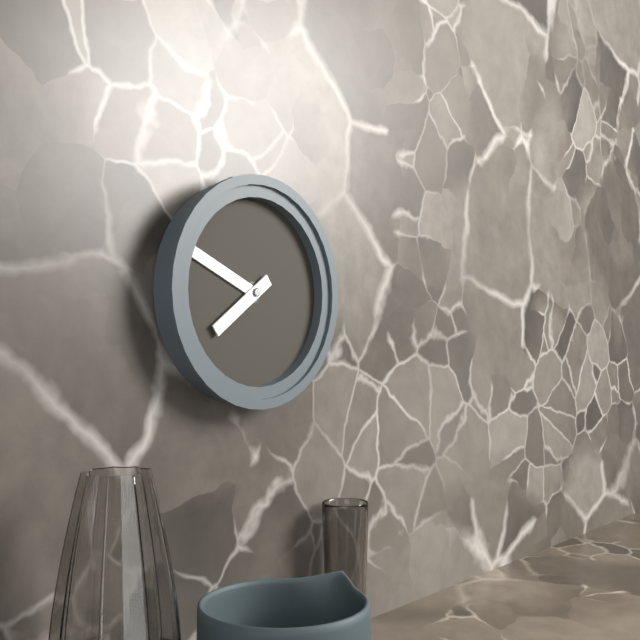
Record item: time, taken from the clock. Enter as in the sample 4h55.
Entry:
7h49
